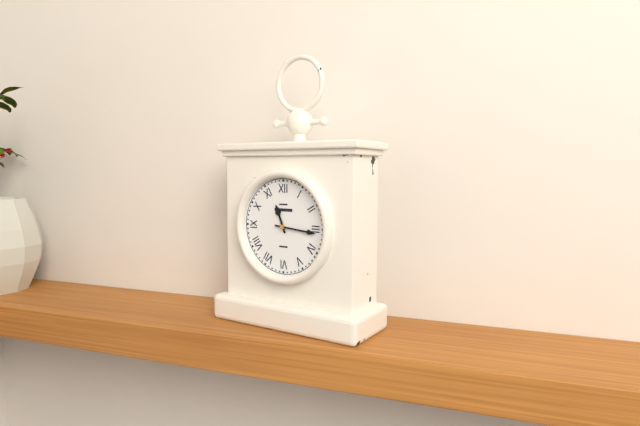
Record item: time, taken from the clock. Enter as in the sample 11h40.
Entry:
11h16
